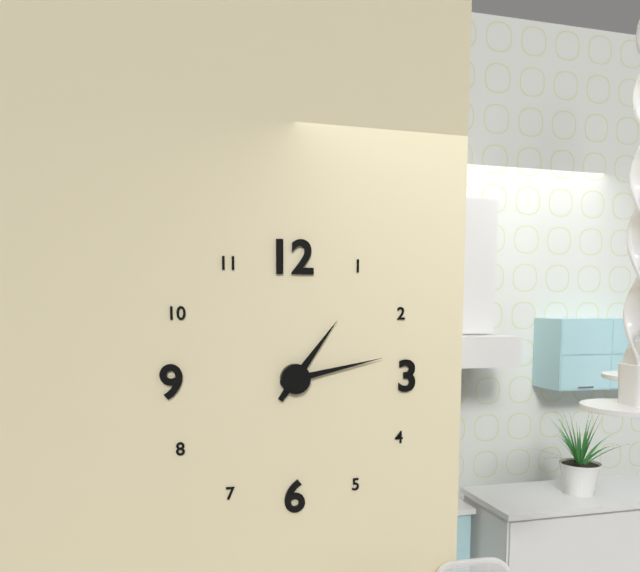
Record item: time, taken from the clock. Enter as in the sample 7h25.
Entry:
1h13
